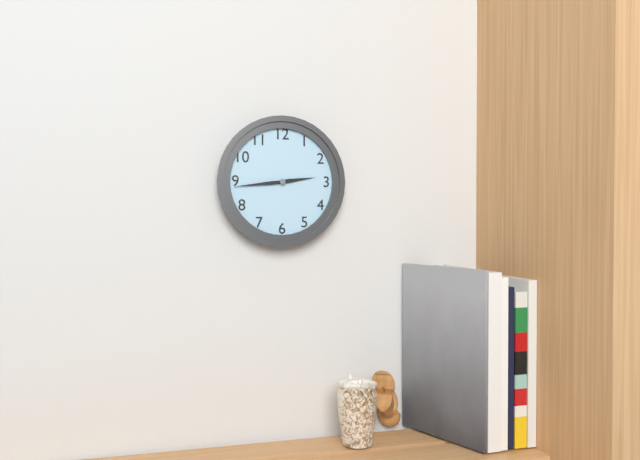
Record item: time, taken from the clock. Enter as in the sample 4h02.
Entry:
2h44
